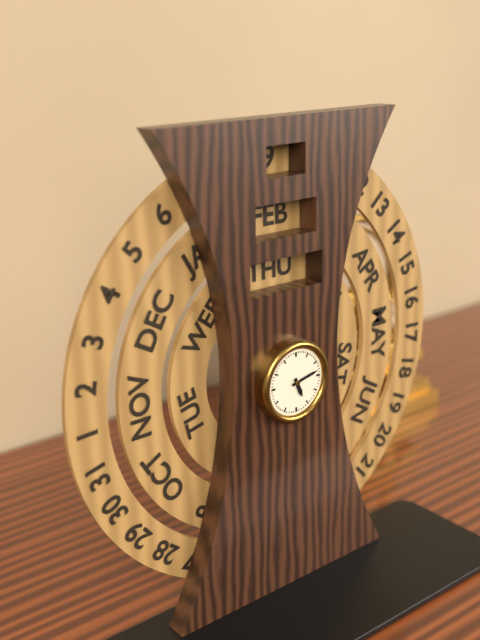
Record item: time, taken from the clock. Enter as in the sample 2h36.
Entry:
5h13
